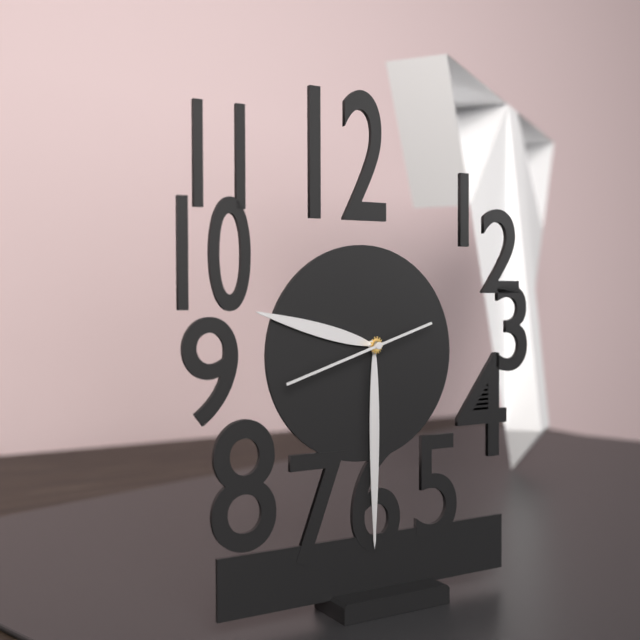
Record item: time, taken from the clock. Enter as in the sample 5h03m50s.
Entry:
9h30m42s
